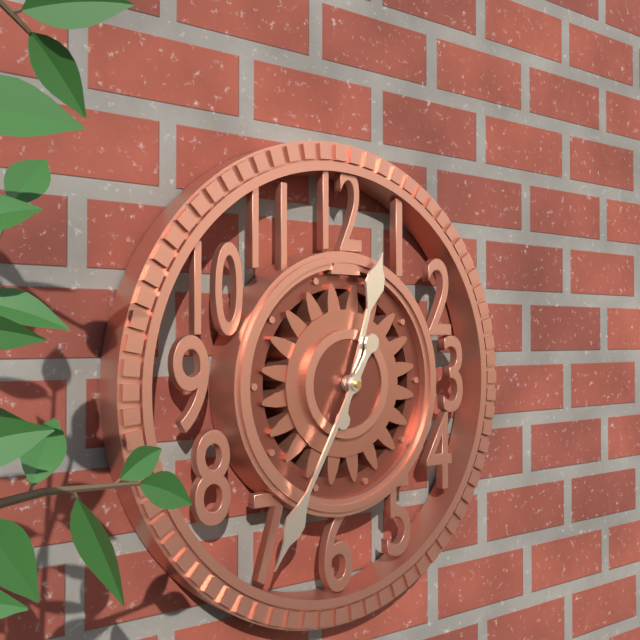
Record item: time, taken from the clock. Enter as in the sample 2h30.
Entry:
12h35
